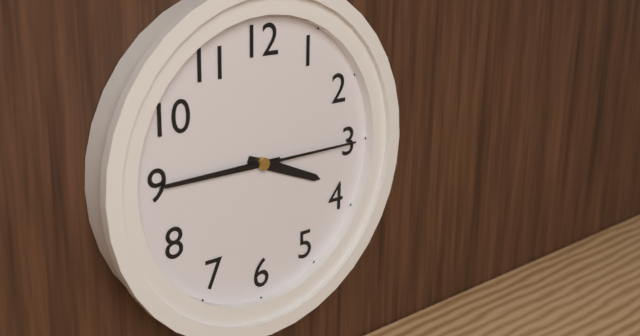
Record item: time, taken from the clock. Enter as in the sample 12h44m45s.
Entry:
3h45m15s
